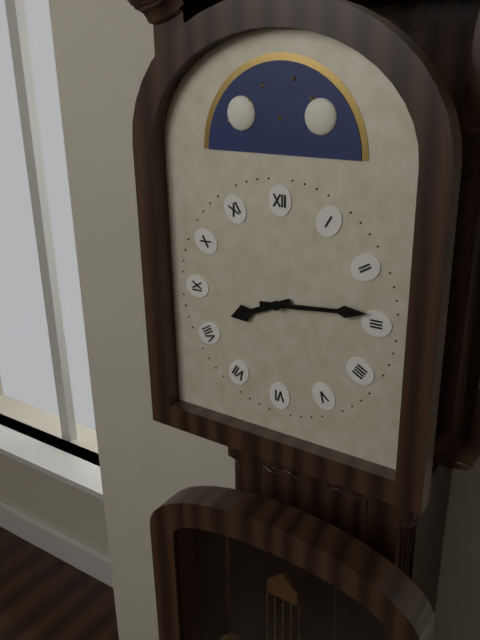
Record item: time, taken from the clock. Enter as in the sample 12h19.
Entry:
8h14
